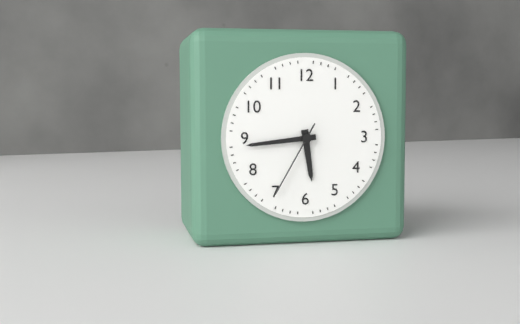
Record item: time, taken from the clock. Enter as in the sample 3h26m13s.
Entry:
5h44m35s
